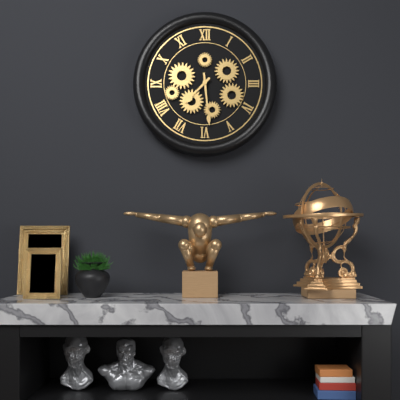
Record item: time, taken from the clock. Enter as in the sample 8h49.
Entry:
7h29
